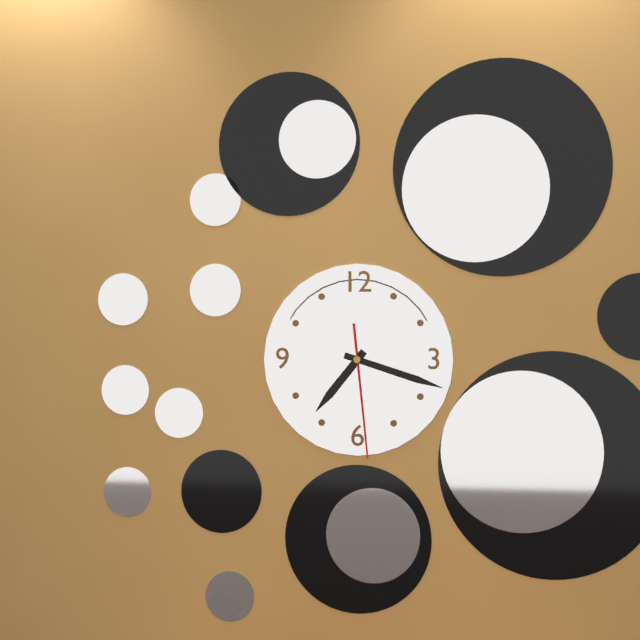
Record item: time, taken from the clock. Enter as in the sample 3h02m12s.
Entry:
7h18m29s
